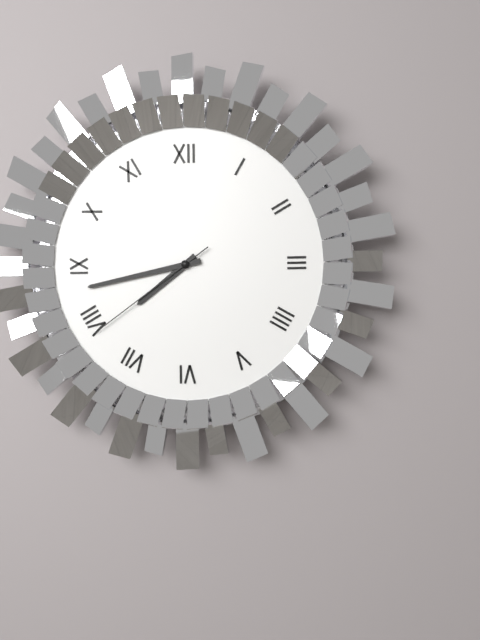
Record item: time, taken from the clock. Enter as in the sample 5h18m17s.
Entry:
7h43m39s
